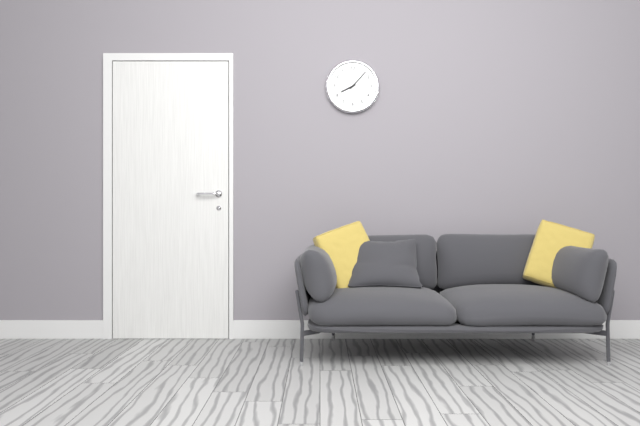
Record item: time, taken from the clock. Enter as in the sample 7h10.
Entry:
8h07
